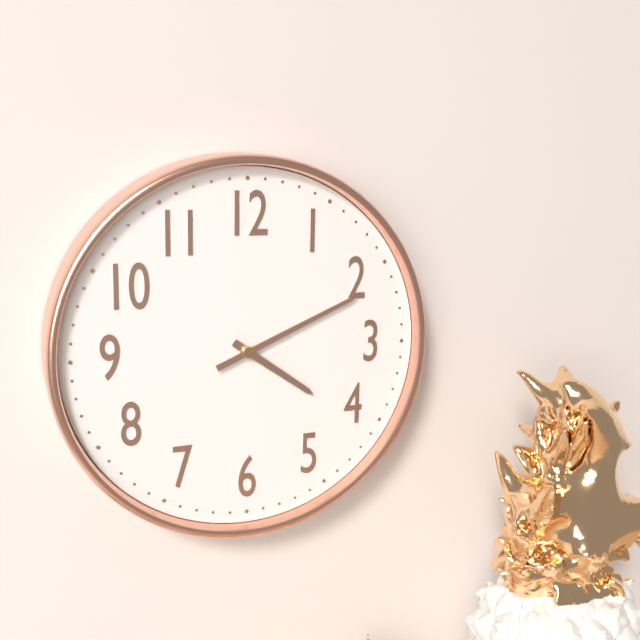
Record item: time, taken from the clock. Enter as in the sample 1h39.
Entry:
4h11
